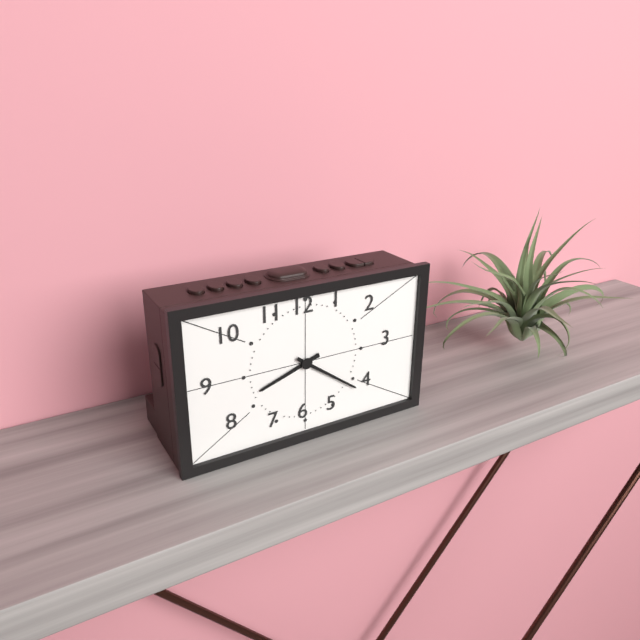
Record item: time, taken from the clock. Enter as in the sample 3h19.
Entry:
8h21
